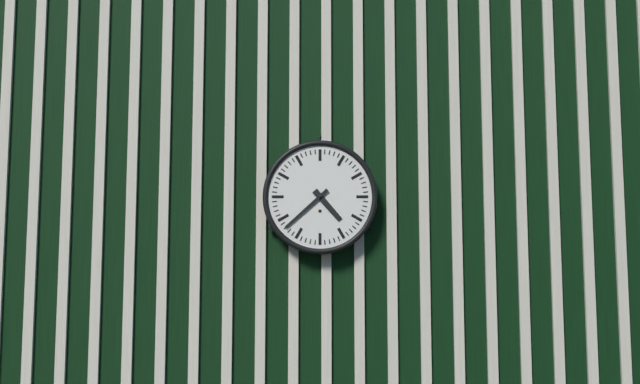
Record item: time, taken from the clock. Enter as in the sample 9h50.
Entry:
4h38
